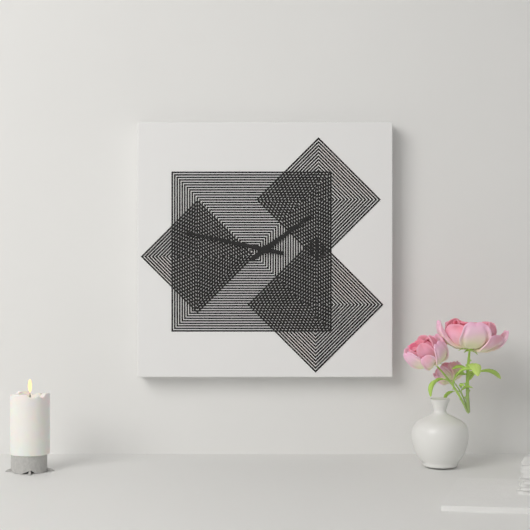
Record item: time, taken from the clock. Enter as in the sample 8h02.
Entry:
1h47
